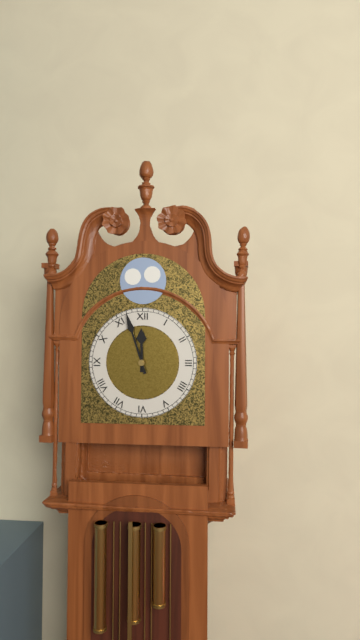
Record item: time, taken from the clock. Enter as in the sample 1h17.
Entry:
11h57
